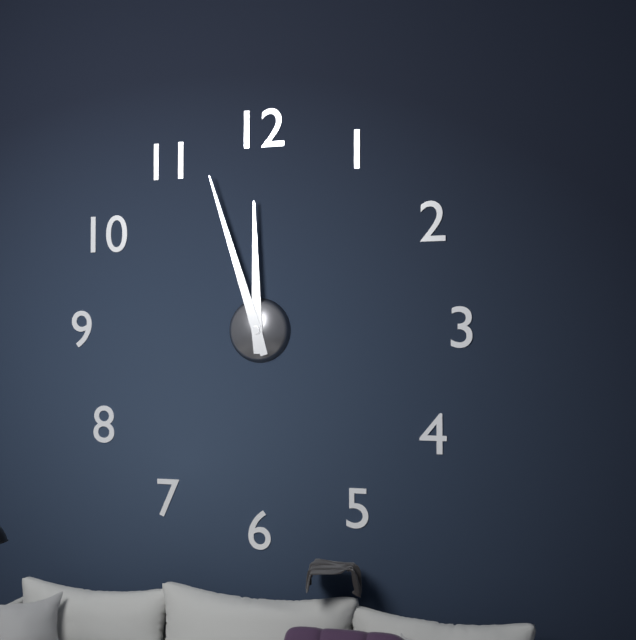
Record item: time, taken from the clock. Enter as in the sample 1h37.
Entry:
11h57
